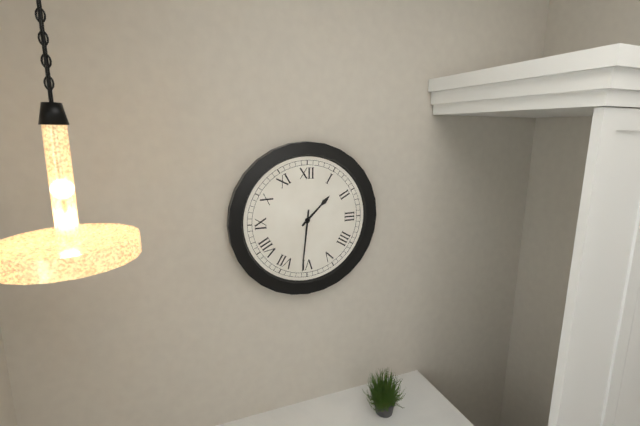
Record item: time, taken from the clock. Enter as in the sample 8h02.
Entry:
1h31
